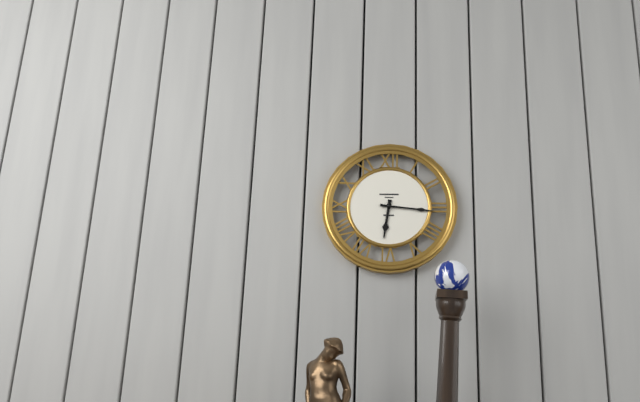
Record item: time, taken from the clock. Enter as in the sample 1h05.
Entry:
6h16
